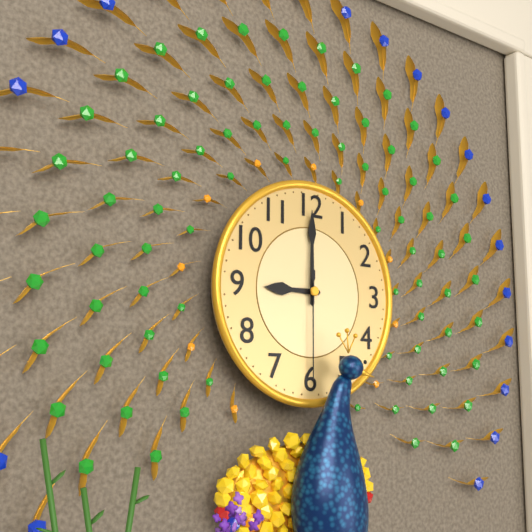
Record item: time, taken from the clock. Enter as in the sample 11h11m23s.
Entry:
9h00m30s
